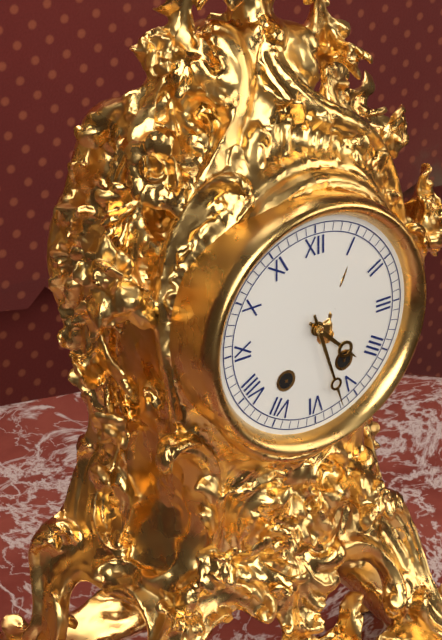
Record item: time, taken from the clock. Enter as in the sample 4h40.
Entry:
4h27
